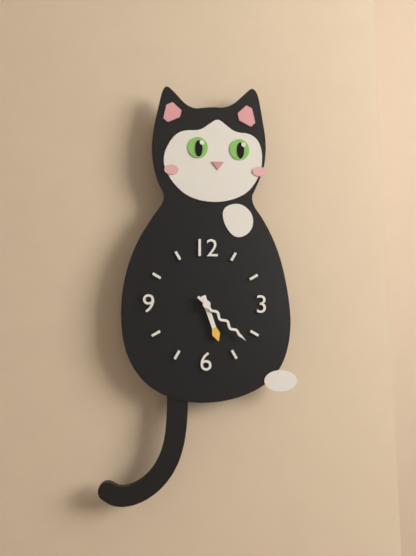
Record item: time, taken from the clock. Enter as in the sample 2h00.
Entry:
5h22
